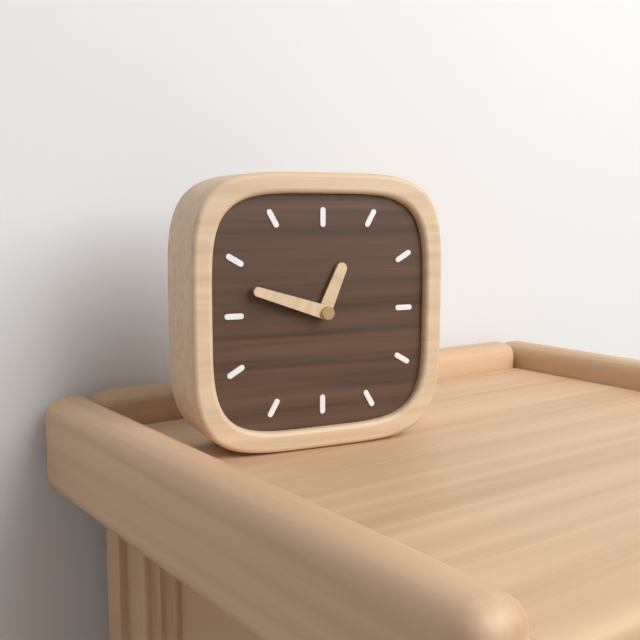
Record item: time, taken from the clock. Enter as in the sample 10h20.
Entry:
12h48
